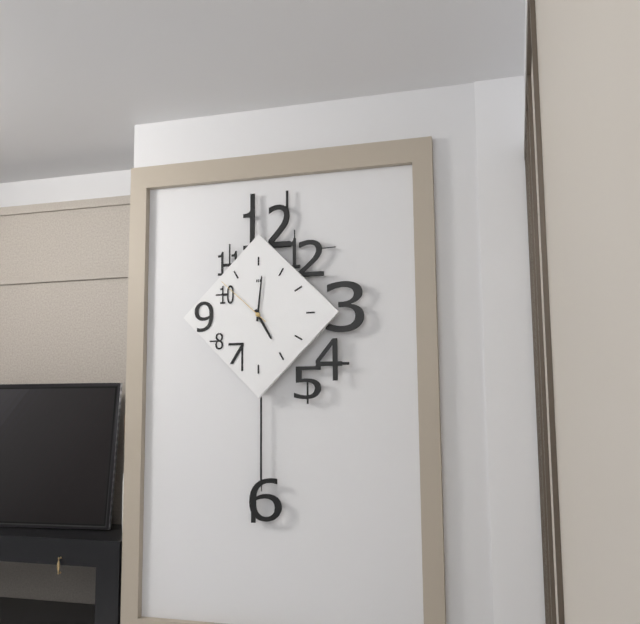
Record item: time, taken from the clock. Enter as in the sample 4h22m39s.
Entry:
5h01m52s
